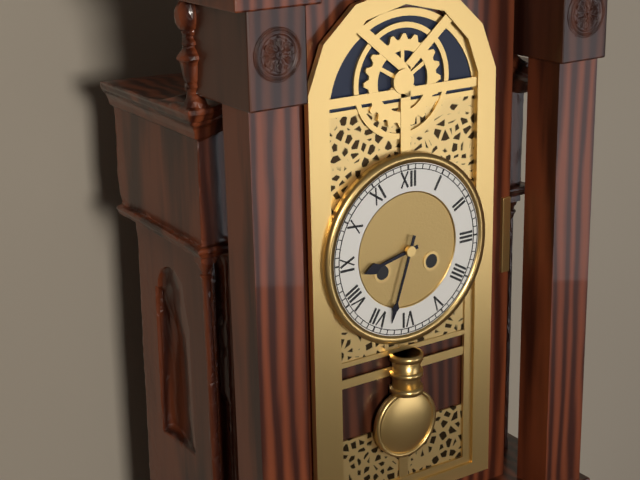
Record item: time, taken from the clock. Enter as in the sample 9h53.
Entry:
8h33
